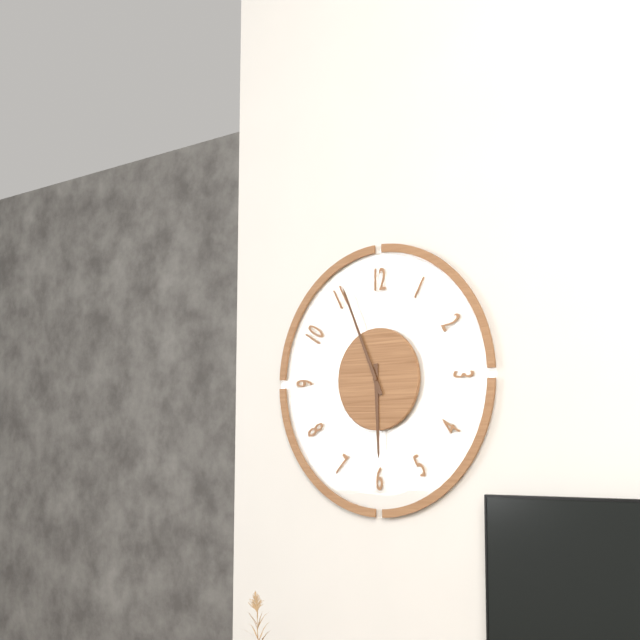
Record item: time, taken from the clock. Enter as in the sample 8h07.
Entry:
5h56
